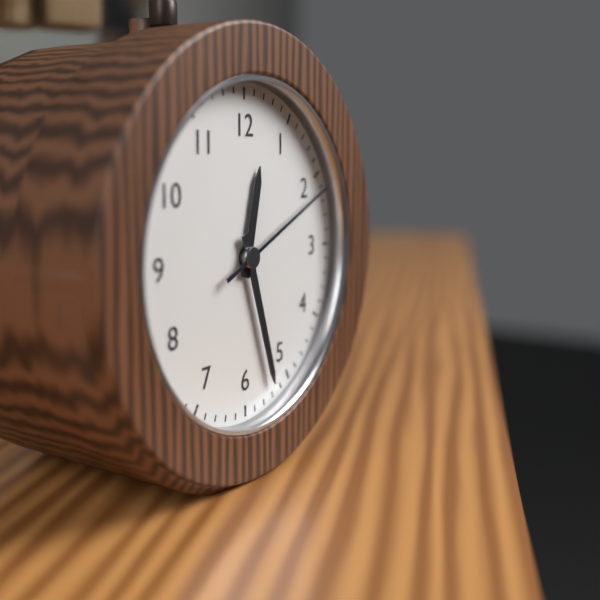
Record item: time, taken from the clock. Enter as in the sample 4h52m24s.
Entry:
12h27m11s
